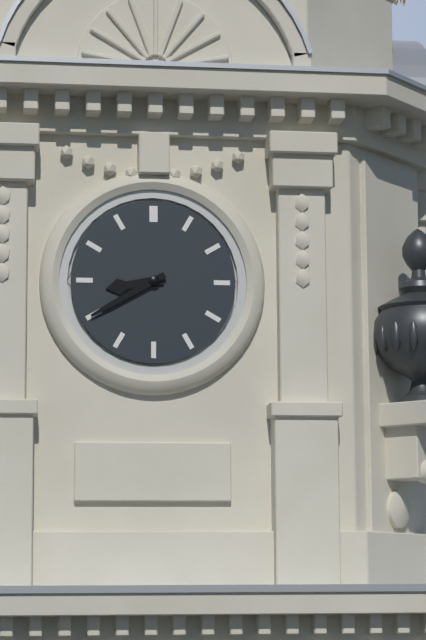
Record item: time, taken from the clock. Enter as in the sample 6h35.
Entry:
8h40
